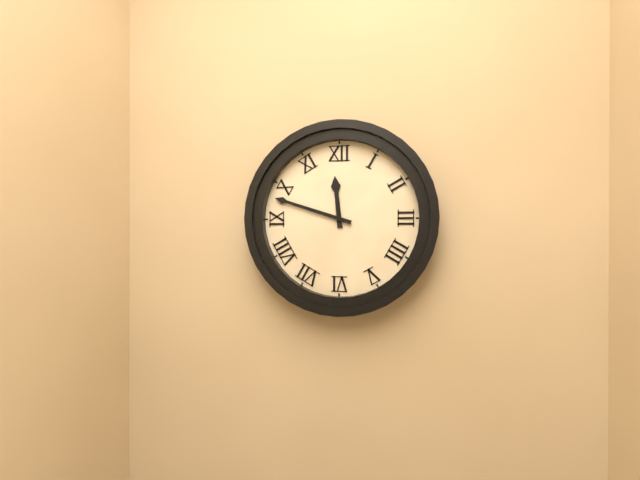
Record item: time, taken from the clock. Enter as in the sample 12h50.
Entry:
11h48
